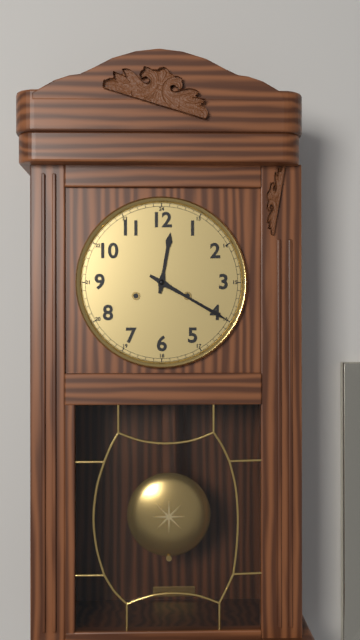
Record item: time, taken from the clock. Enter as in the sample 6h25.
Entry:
12h20
